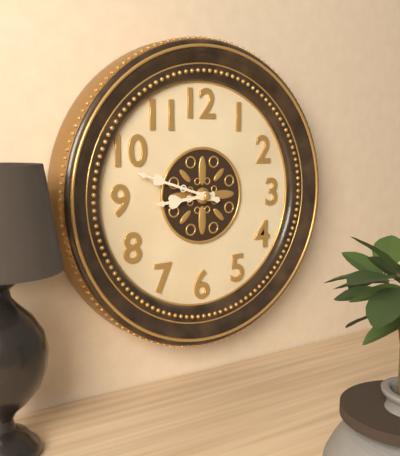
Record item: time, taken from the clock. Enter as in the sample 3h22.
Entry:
8h48
